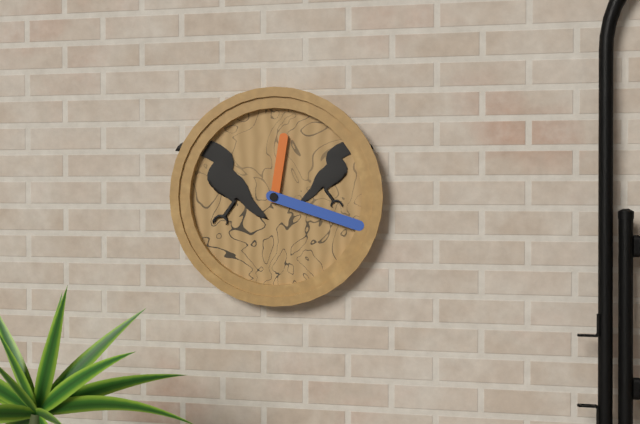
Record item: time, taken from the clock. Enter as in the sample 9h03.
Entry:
12h18
